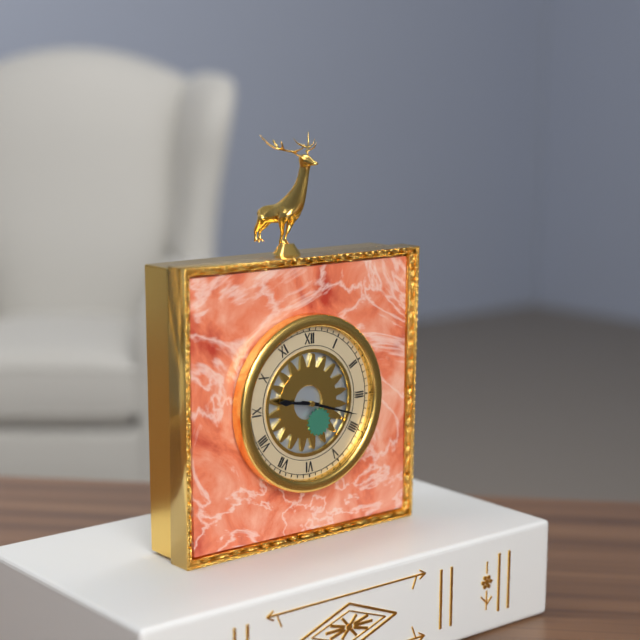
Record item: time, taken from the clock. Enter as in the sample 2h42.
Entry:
9h18
